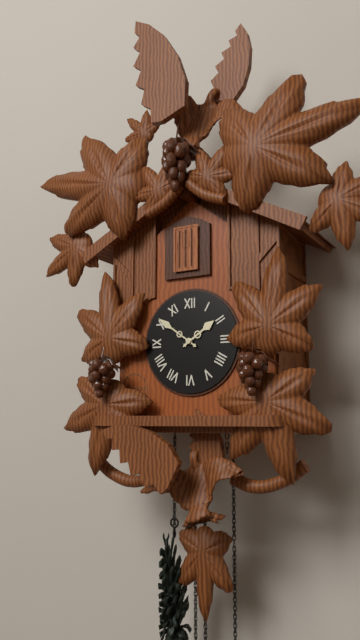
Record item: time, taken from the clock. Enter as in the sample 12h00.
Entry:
1h51
